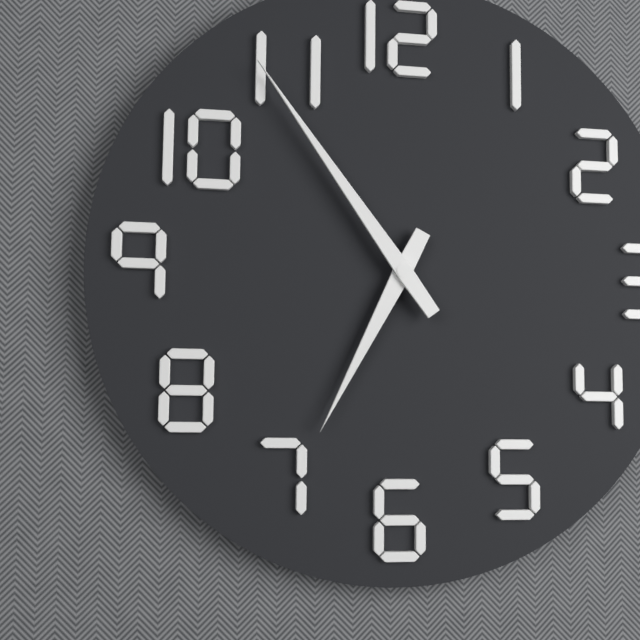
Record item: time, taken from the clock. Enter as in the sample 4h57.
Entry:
6h54
